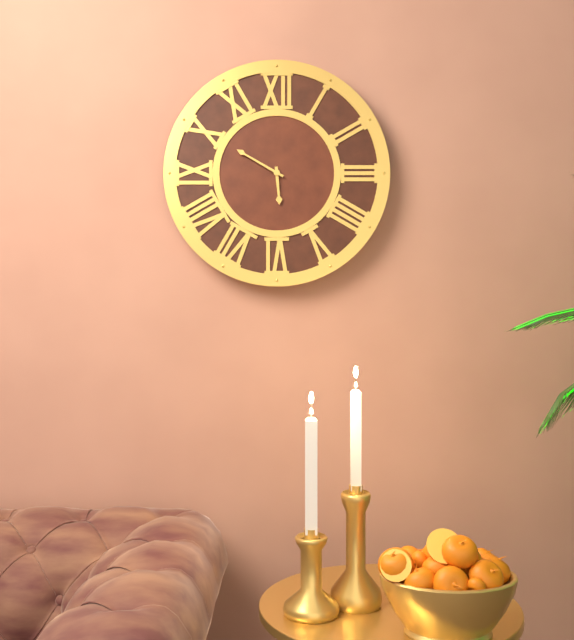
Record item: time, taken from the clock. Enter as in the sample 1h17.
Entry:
5h50
